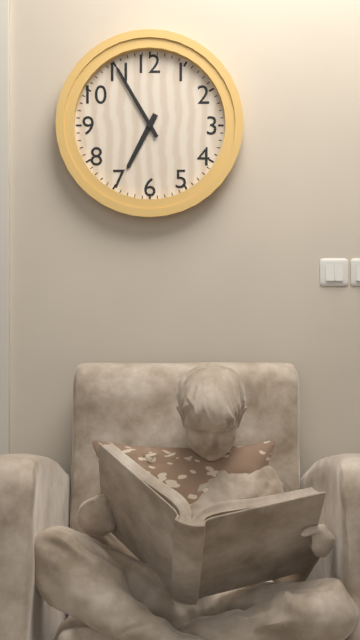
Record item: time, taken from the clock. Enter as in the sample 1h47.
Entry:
6h55
